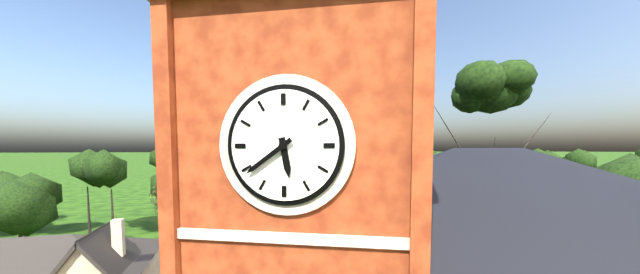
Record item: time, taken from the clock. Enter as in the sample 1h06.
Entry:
5h39
